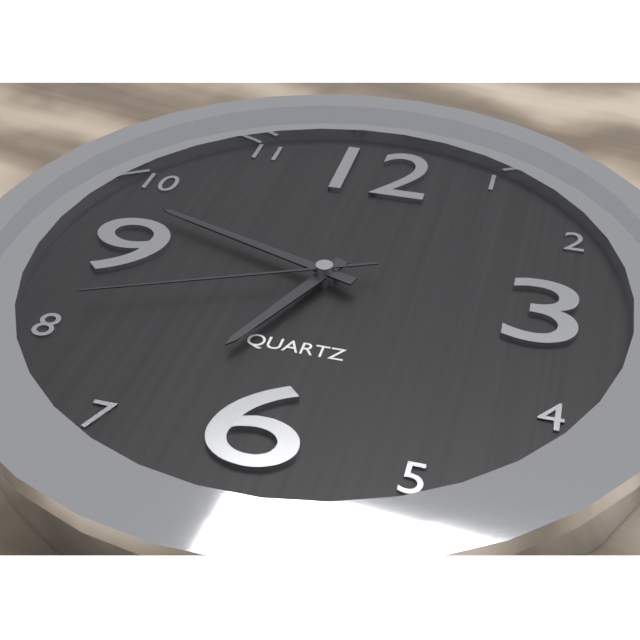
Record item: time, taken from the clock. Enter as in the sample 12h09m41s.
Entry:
6h48m41s
